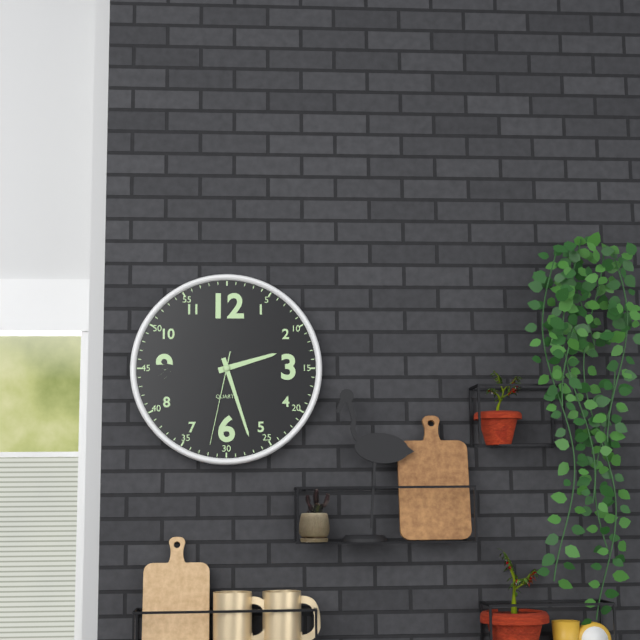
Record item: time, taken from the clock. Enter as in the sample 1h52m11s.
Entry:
2h27m32s
